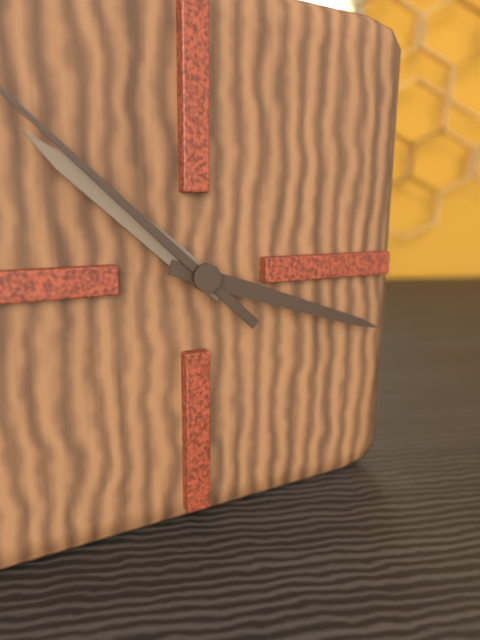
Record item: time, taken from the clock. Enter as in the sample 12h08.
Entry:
10h18
